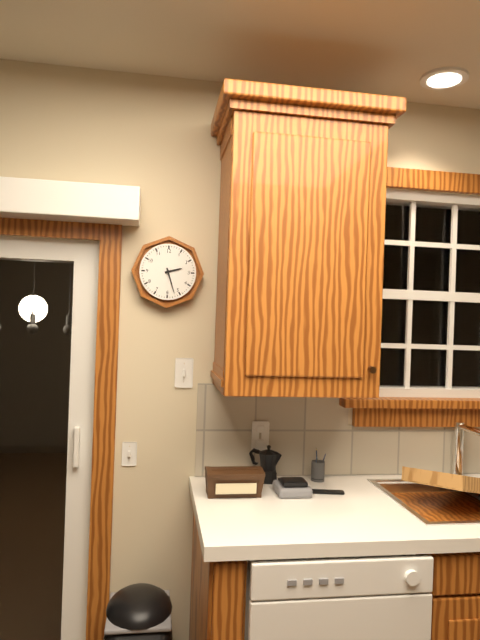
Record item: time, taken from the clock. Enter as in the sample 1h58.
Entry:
2h27
